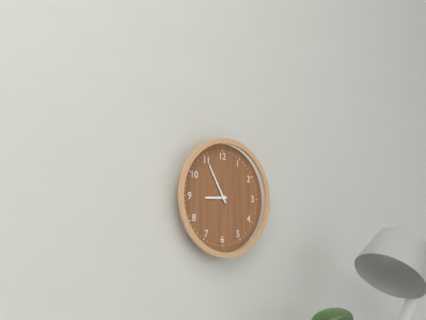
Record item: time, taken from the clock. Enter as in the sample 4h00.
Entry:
8h55
